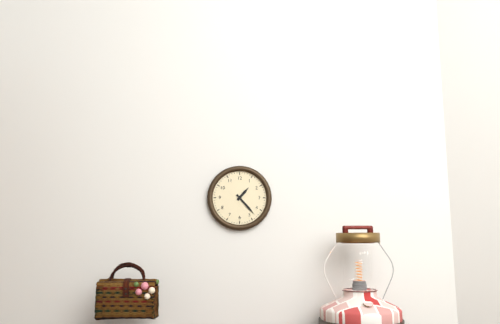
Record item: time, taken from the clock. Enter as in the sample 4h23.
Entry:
1h23
